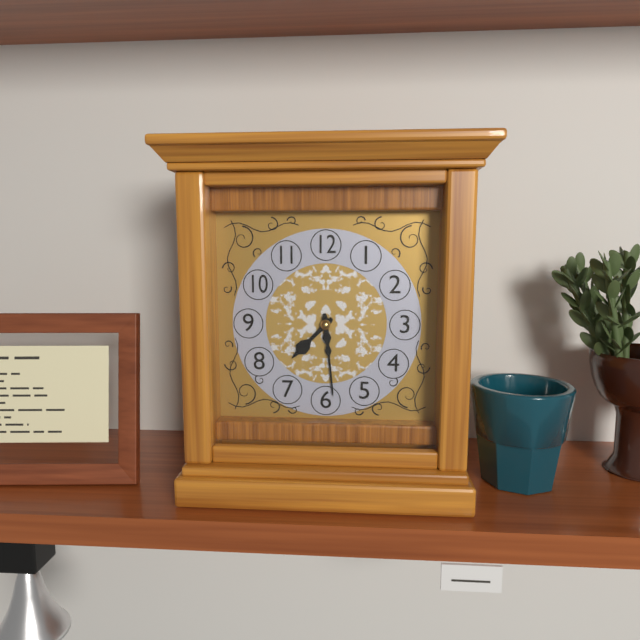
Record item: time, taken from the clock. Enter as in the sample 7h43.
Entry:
7h29
